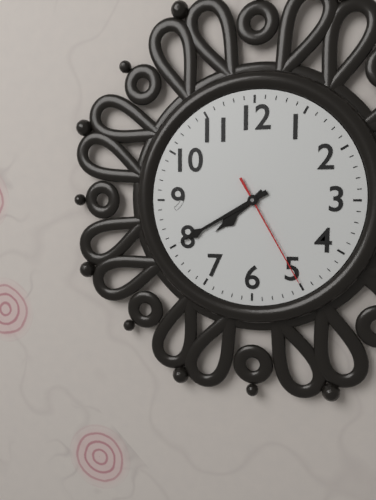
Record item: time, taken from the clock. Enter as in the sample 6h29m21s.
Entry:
7h40m25s
